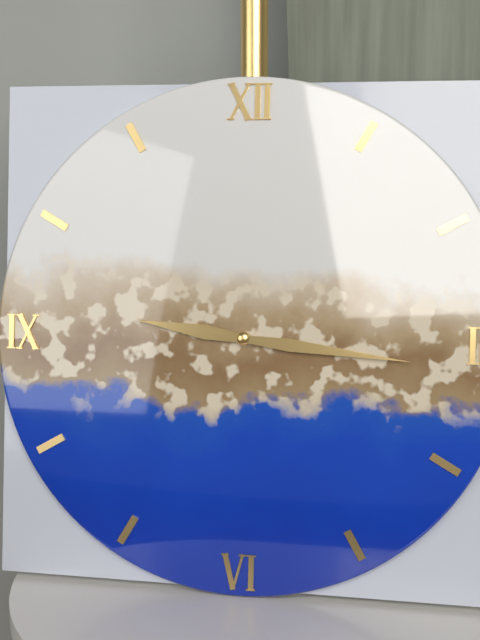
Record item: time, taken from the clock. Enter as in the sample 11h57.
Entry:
9h16
